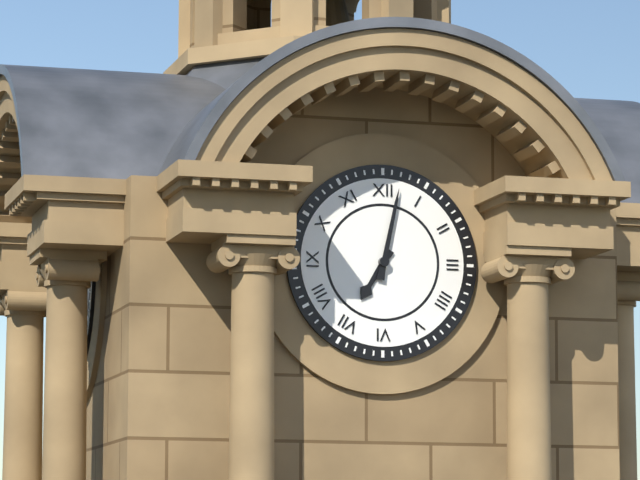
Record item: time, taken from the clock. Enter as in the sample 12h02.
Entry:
7h02
